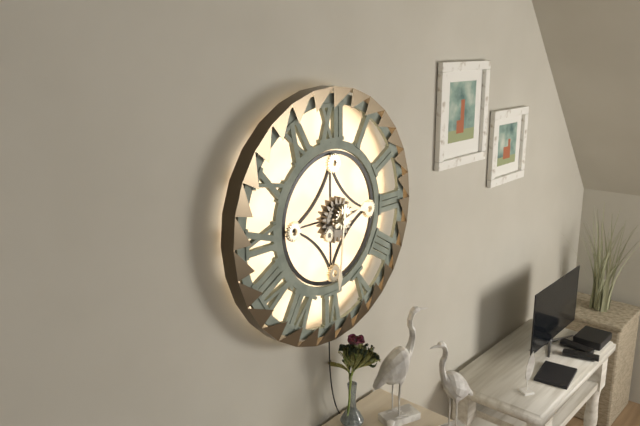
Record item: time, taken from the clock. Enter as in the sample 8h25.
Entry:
2h31
